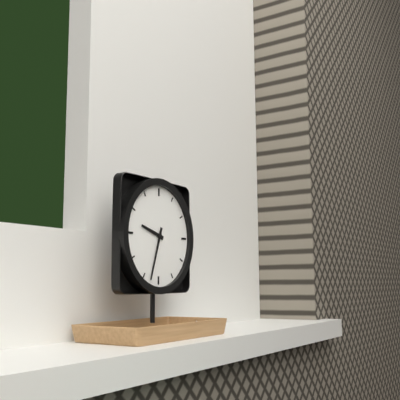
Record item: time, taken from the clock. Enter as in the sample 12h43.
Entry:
9h33
